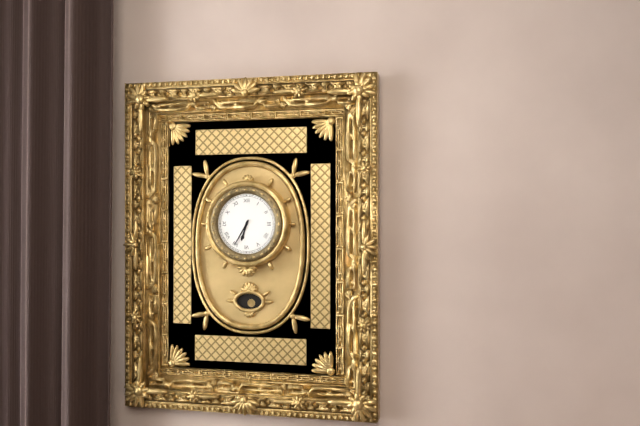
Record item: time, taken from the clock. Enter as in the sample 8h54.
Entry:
6h35
